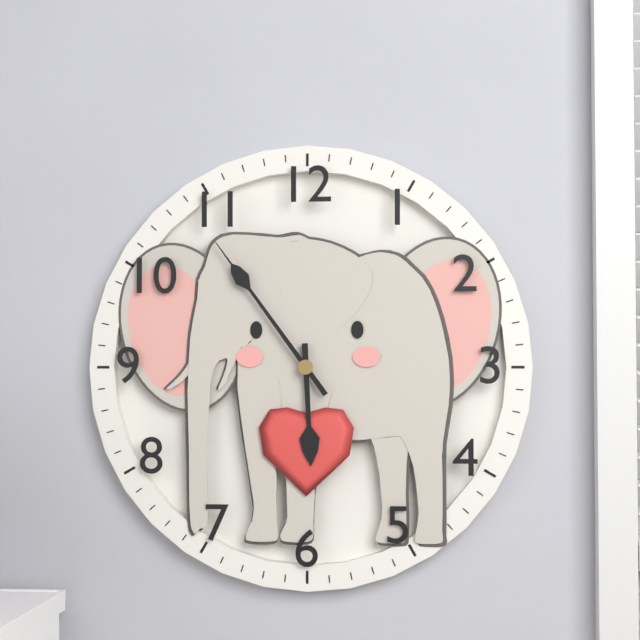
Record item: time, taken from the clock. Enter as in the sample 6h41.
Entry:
5h54
